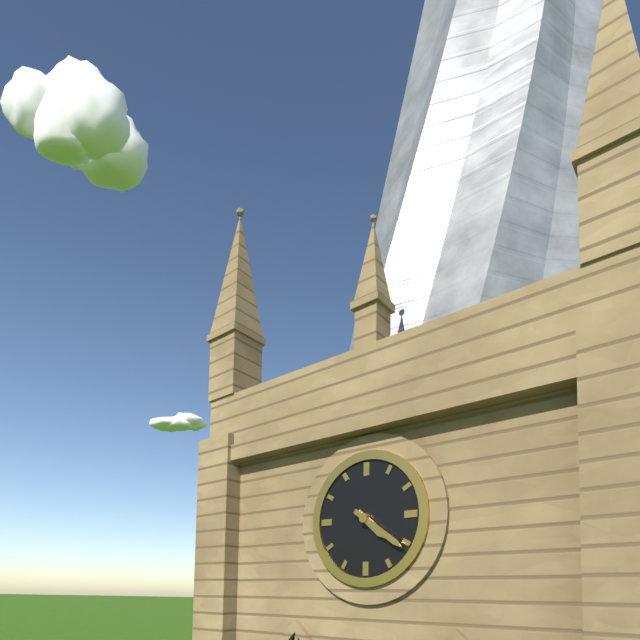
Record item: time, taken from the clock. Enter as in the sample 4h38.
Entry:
4h21
